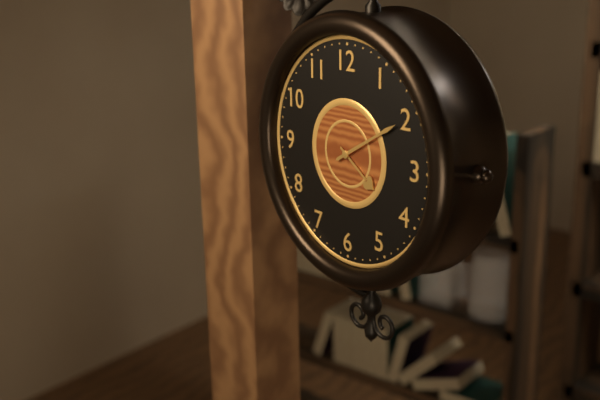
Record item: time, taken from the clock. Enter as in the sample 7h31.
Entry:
4h10
